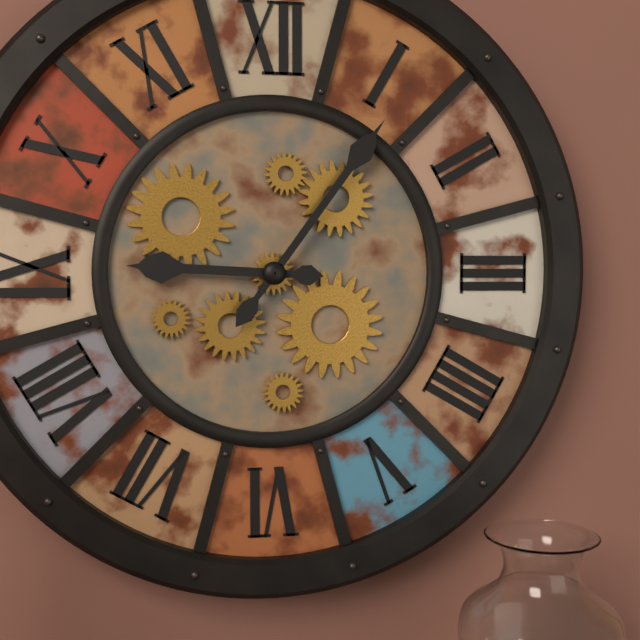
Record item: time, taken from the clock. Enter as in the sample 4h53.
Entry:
9h06
